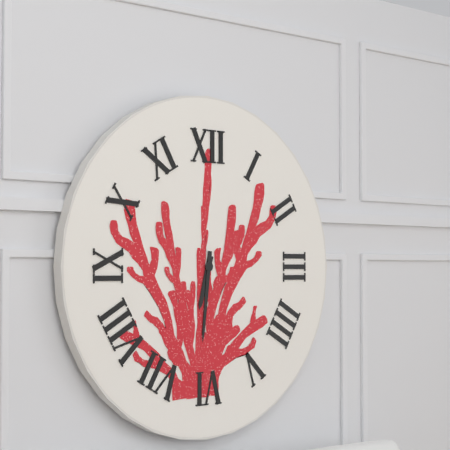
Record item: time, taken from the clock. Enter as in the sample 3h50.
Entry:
6h31
